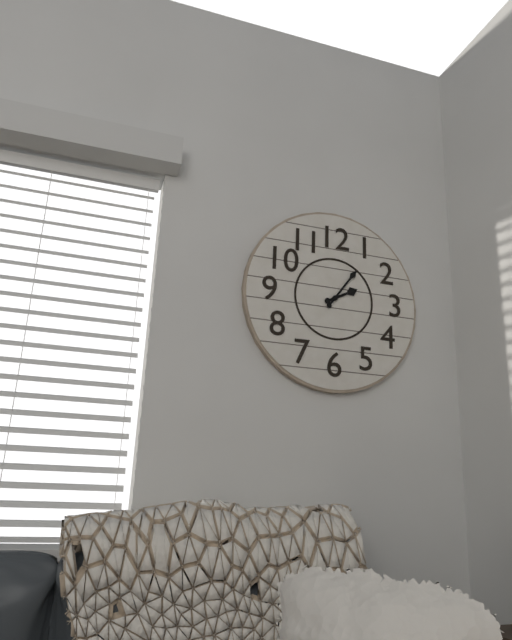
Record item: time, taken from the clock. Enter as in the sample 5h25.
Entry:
2h06
